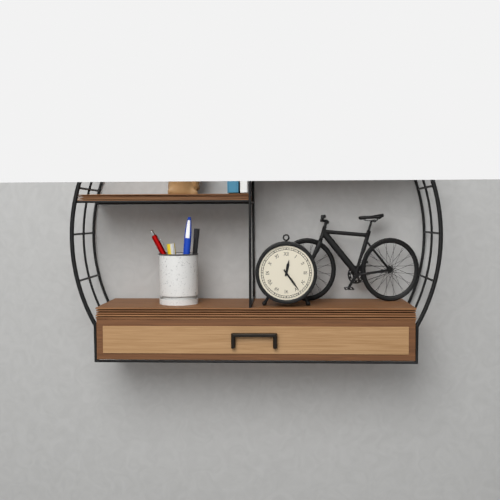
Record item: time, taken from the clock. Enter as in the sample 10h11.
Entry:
12h24
